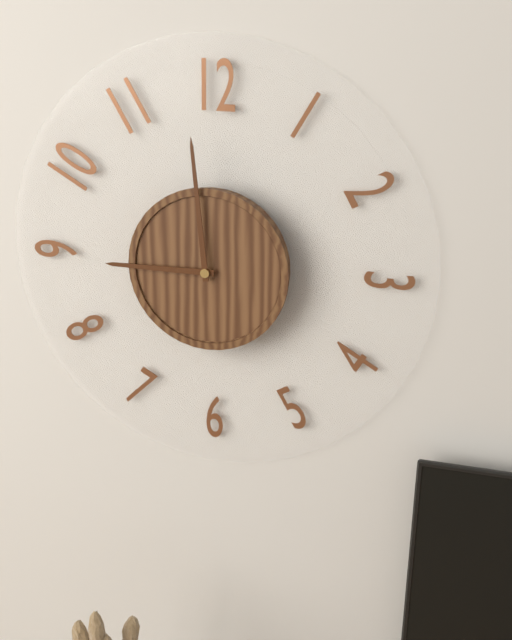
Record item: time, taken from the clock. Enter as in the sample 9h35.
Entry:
8h59
